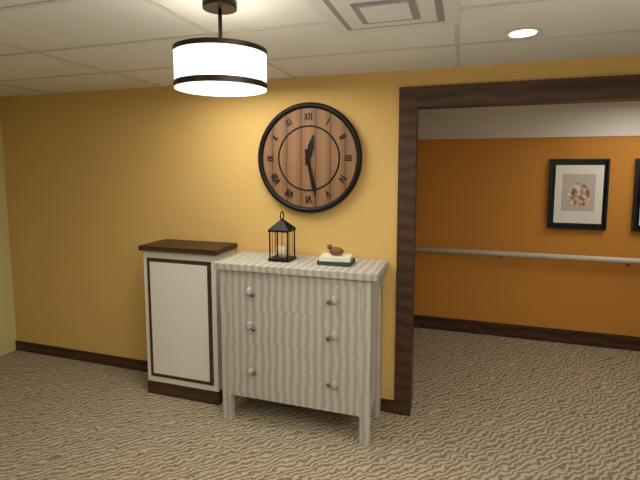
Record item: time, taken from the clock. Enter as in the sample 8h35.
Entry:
12h28
